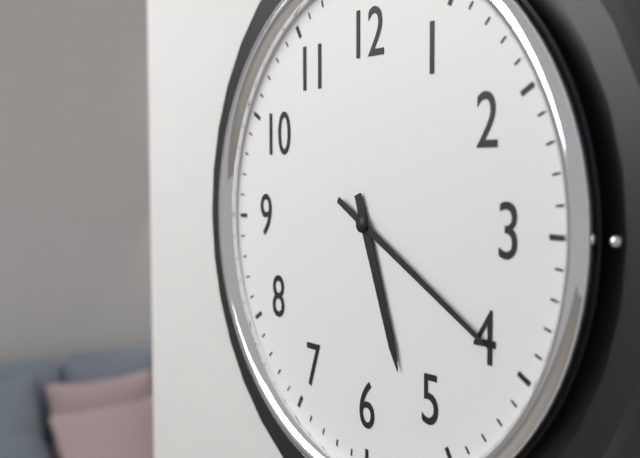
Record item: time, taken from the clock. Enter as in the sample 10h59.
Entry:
5h20
